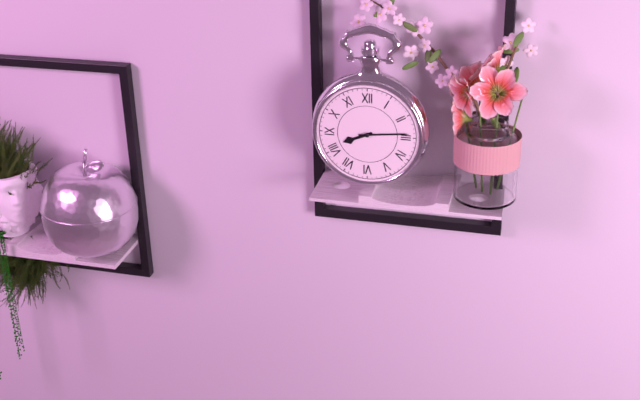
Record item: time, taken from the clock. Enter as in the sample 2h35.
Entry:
8h14
